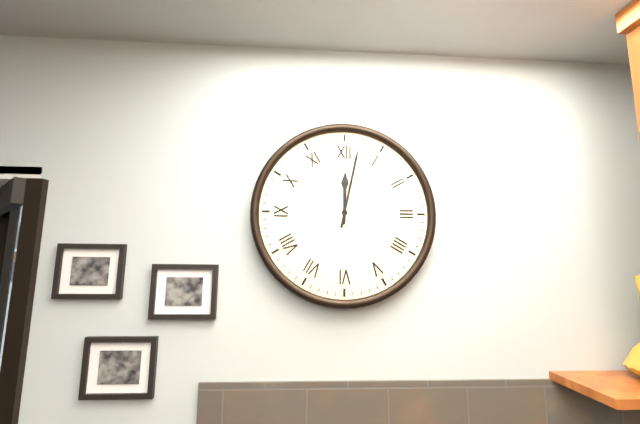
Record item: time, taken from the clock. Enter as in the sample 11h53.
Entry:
12h02
